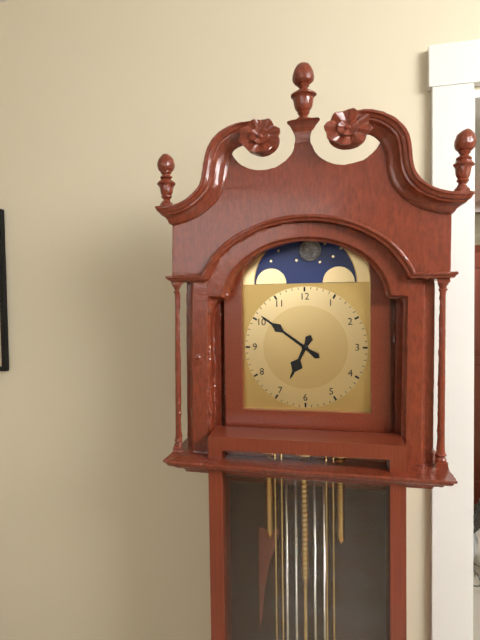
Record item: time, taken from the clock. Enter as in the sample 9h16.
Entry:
6h51
